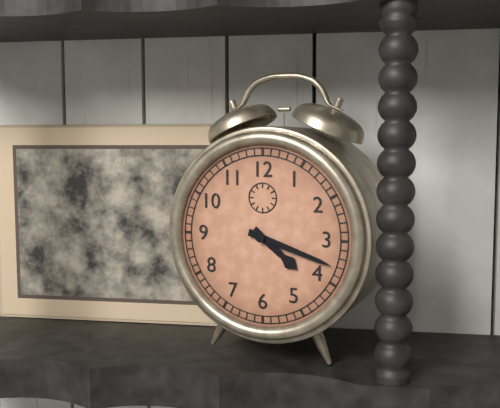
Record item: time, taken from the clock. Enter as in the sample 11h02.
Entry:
4h18
